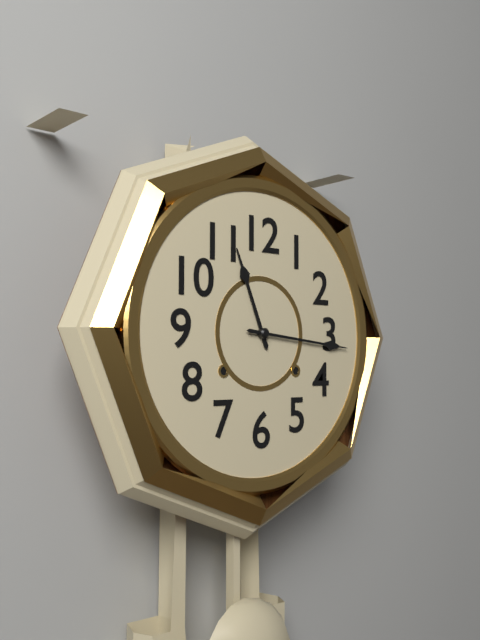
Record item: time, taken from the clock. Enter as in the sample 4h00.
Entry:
11h16
